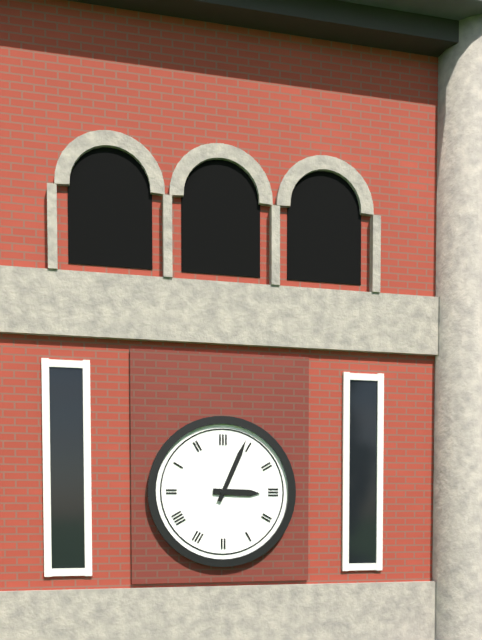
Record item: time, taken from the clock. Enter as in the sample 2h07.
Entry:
3h04
